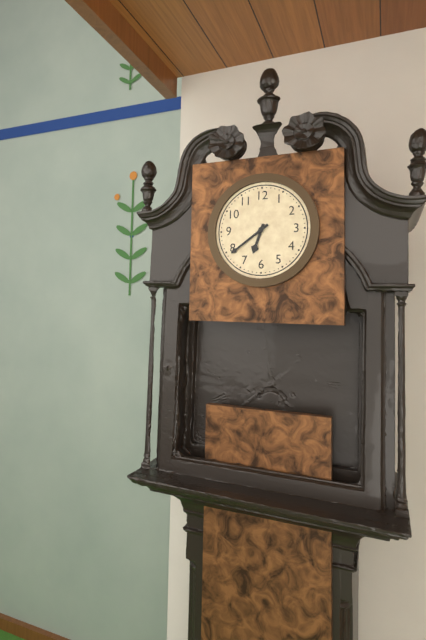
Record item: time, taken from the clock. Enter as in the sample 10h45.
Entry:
6h39
